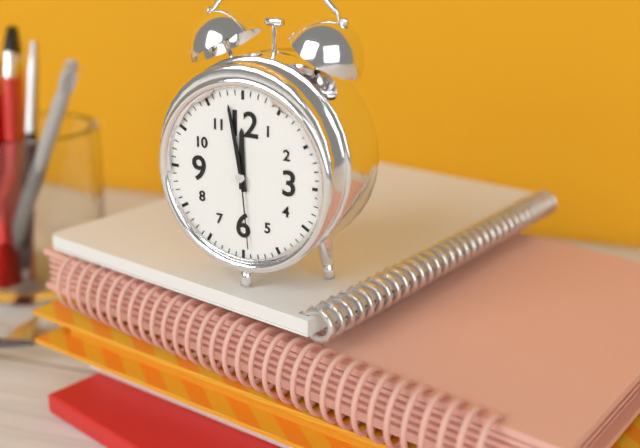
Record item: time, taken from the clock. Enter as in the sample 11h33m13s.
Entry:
11h58m29s
